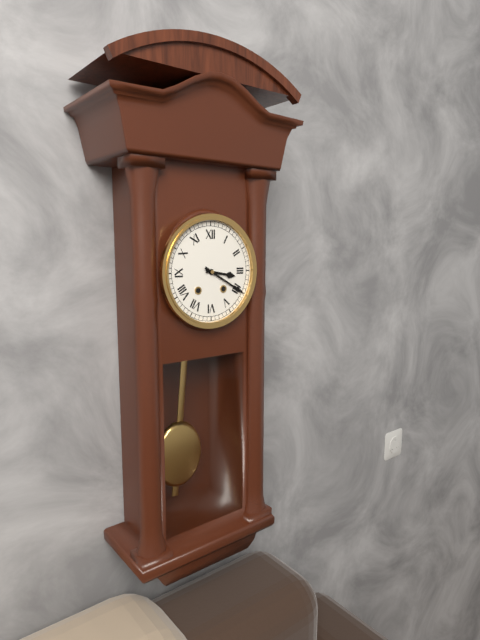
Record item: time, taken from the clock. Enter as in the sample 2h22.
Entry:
3h20
